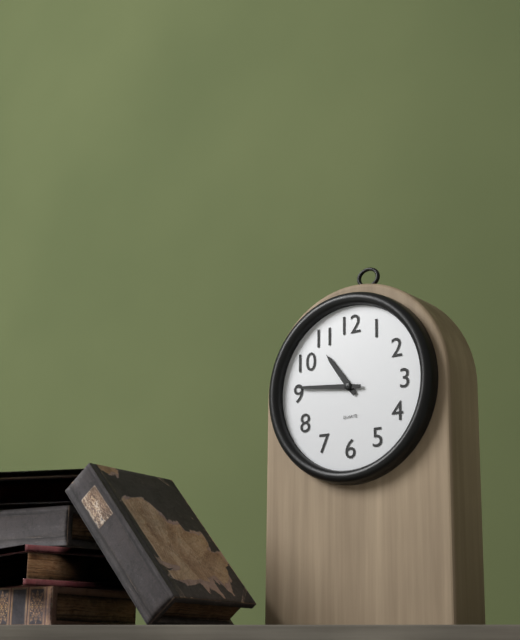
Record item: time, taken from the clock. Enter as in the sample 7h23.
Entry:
10h46
